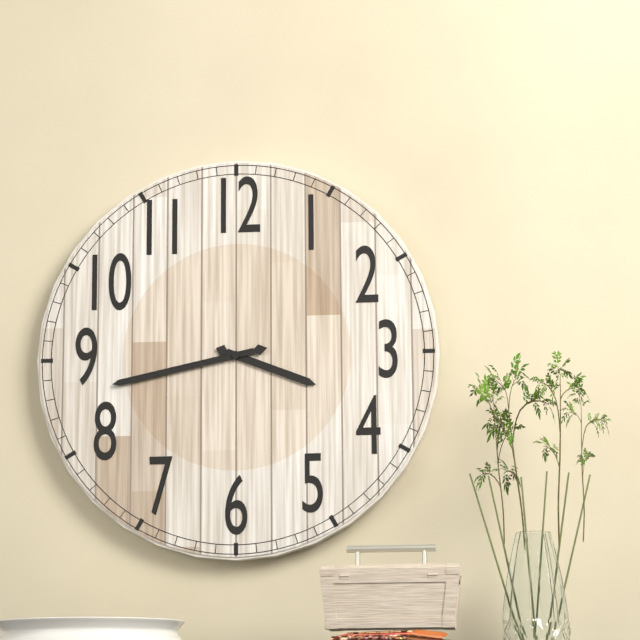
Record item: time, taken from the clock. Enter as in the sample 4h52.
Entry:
3h43
